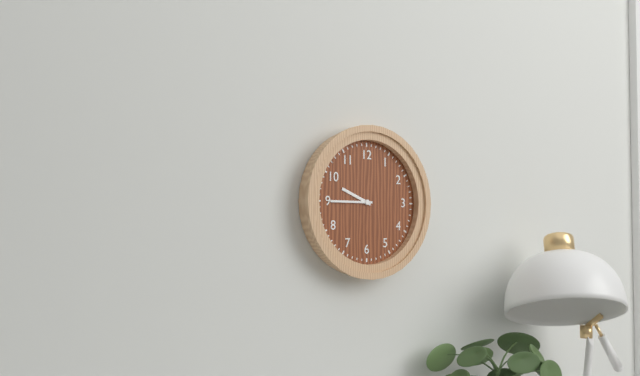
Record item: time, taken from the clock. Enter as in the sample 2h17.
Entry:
9h45
